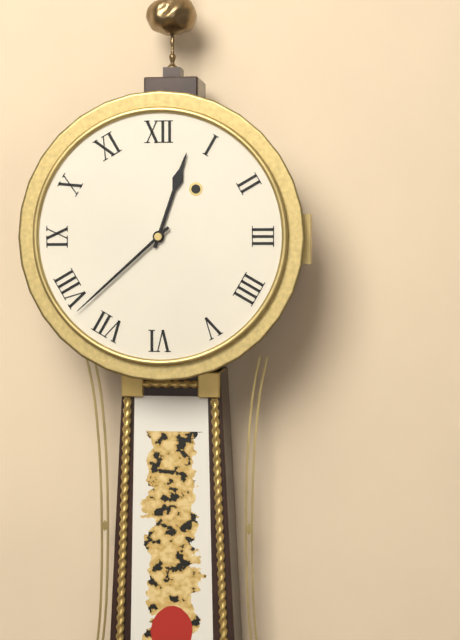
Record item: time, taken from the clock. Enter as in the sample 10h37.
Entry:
12h38
